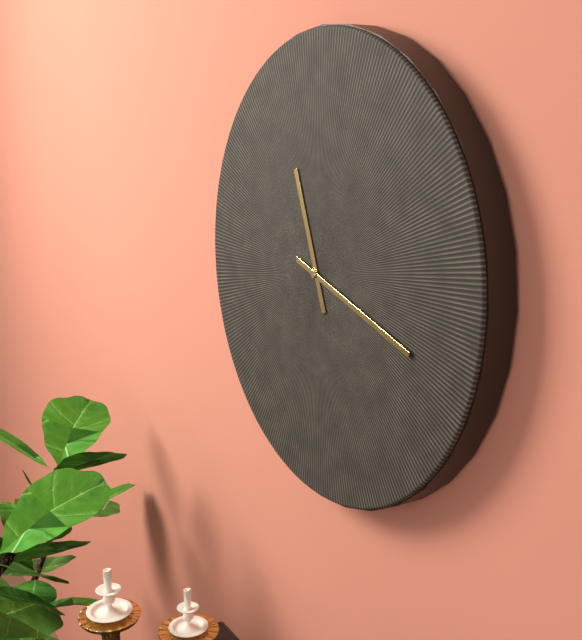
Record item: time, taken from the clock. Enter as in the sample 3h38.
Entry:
11h18
